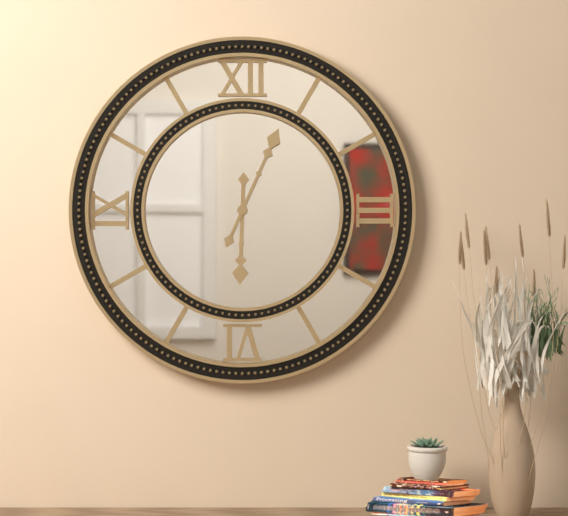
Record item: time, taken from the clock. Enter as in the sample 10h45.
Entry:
6h04
